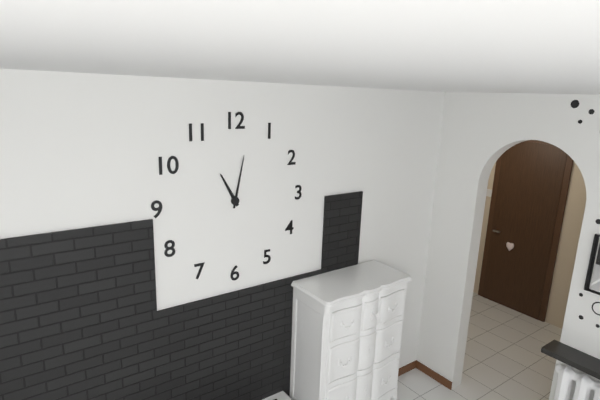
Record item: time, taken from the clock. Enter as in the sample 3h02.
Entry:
11h02
